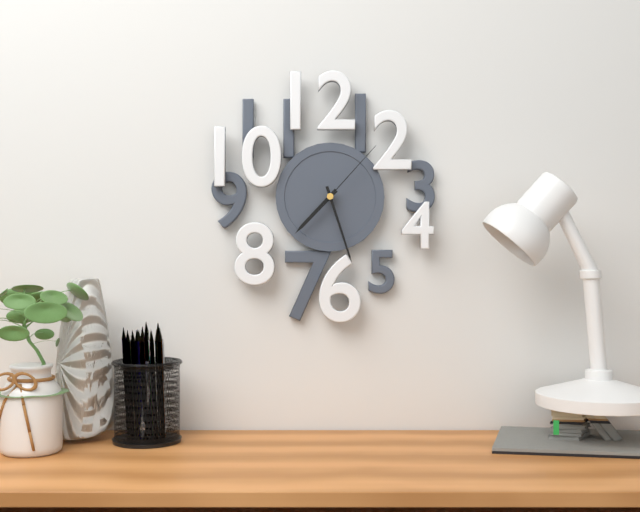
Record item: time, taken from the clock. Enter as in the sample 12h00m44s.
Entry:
7h27m07s
